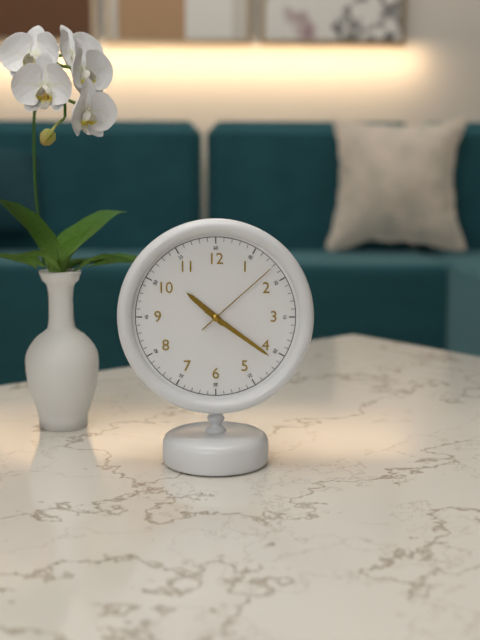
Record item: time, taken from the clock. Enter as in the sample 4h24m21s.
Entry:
10h21m08s
